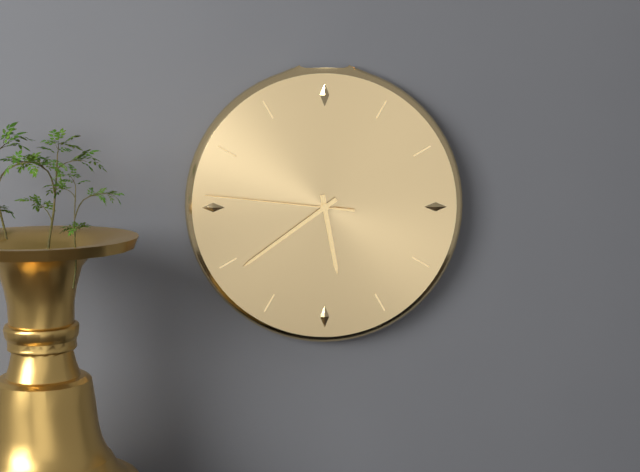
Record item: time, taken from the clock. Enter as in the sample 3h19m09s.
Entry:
5h39m46s
